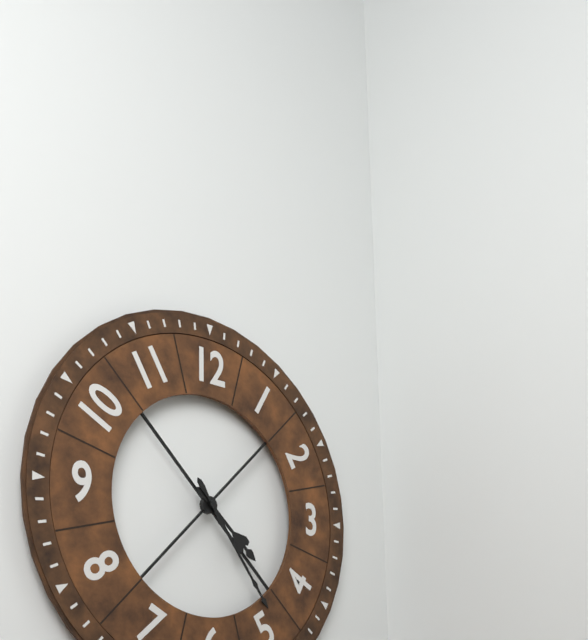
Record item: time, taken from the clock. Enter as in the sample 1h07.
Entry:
4h24
